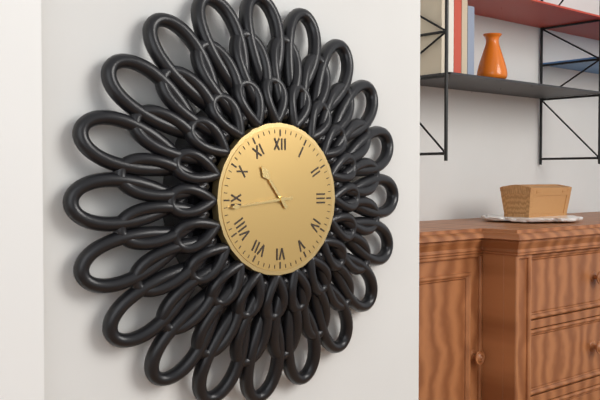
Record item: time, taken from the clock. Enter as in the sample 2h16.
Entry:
10h44
